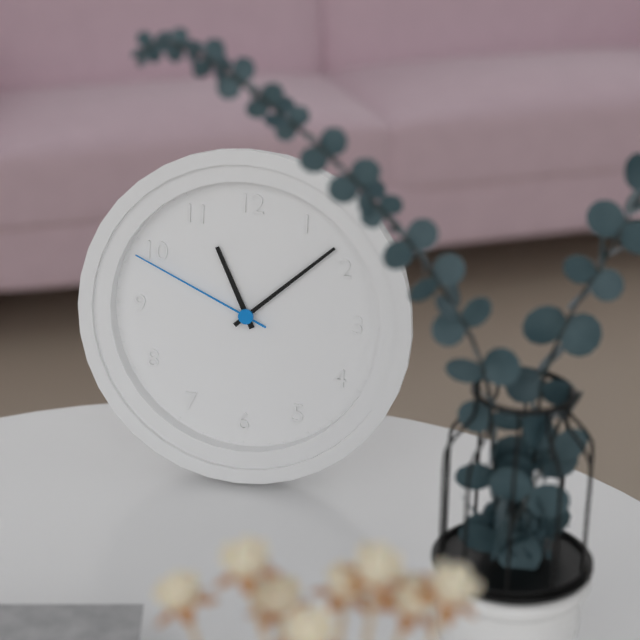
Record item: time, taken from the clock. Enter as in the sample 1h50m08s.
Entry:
11h08m49s
